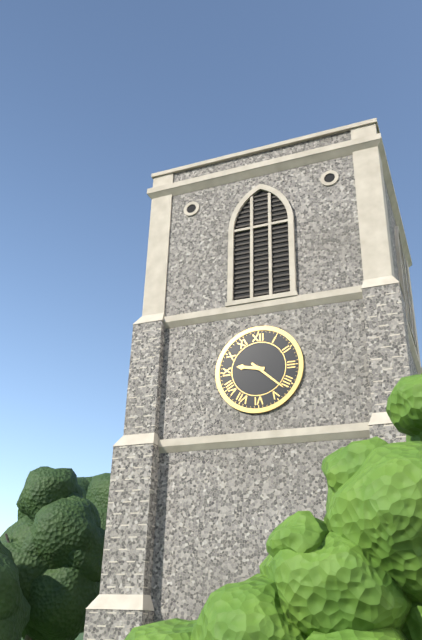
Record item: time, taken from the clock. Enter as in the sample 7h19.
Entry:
9h22
